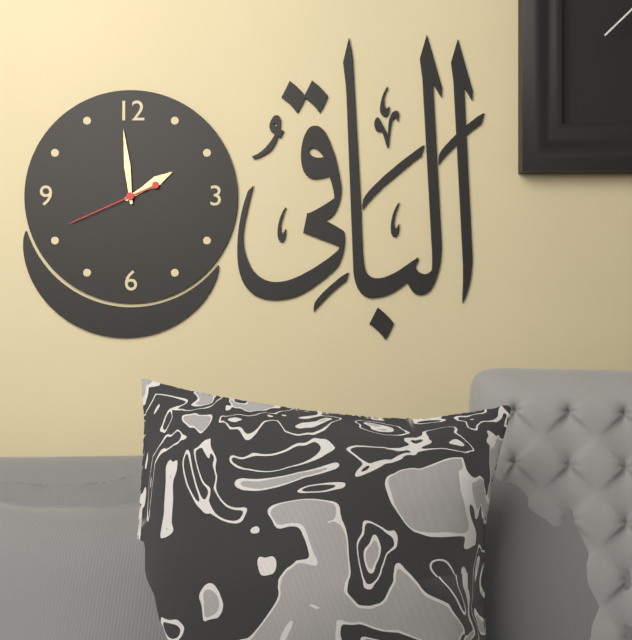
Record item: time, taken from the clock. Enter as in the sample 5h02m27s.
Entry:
1h59m41s
